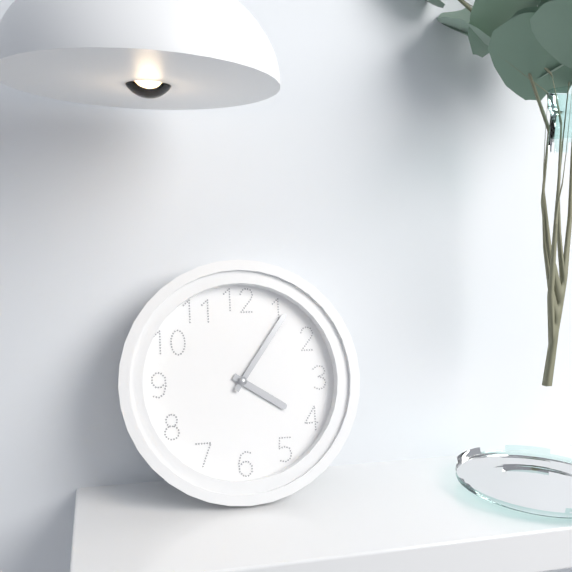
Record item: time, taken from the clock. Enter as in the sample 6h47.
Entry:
4h06
